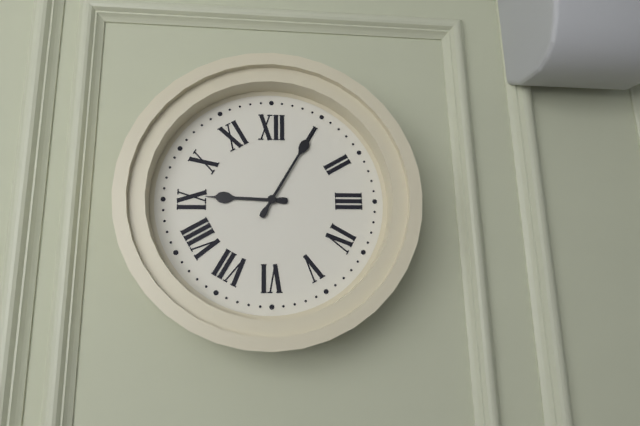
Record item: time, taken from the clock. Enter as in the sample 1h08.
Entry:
9h05
